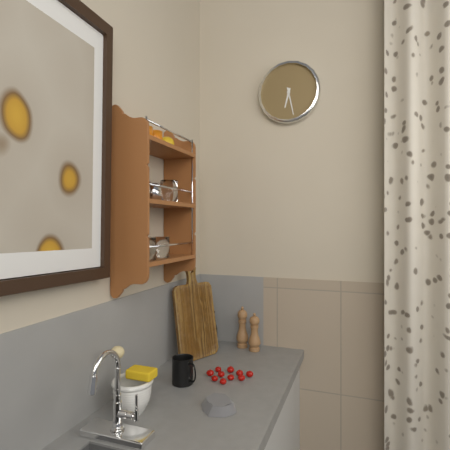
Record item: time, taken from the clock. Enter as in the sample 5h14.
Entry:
6h28
